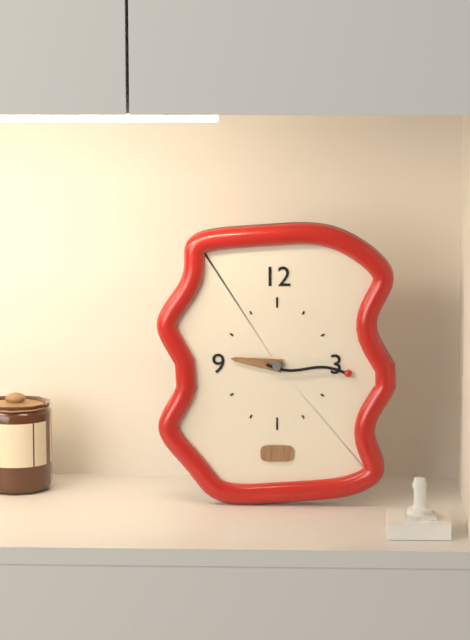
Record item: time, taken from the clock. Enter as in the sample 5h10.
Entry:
9h16
